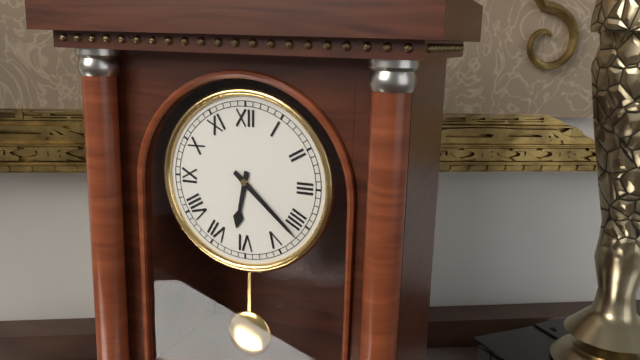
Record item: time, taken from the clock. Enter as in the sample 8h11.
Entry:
6h22
